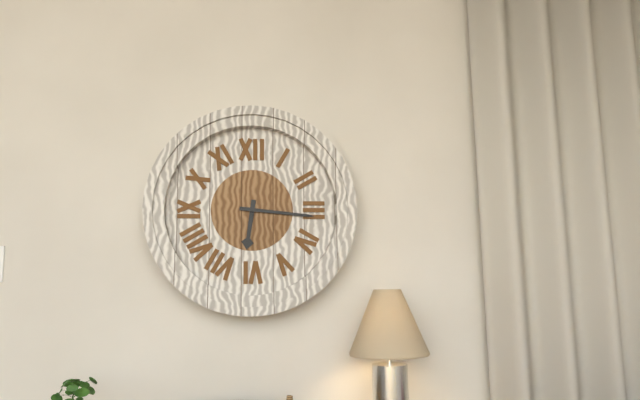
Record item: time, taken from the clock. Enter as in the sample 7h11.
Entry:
6h16
